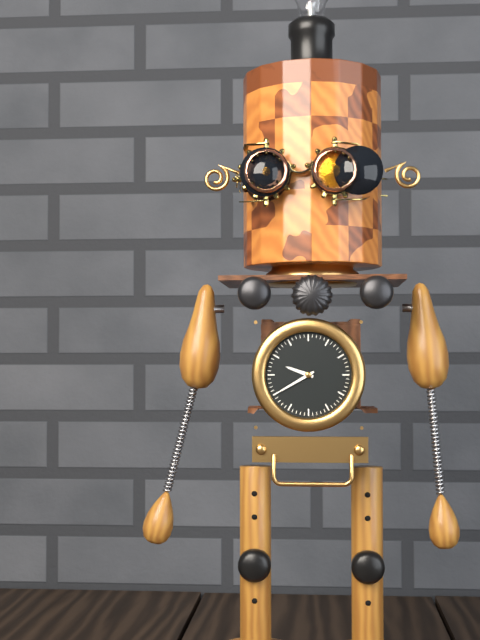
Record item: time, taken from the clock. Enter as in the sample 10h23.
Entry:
9h40
